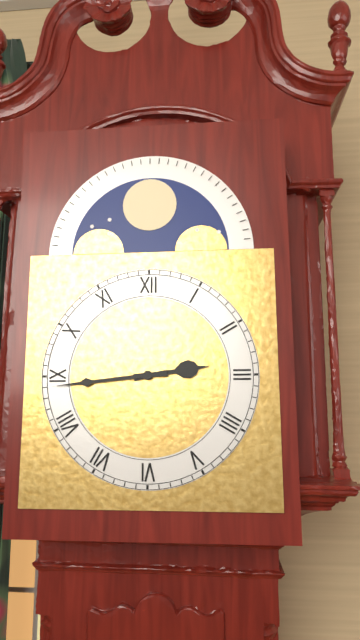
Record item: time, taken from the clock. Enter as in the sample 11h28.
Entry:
2h44
